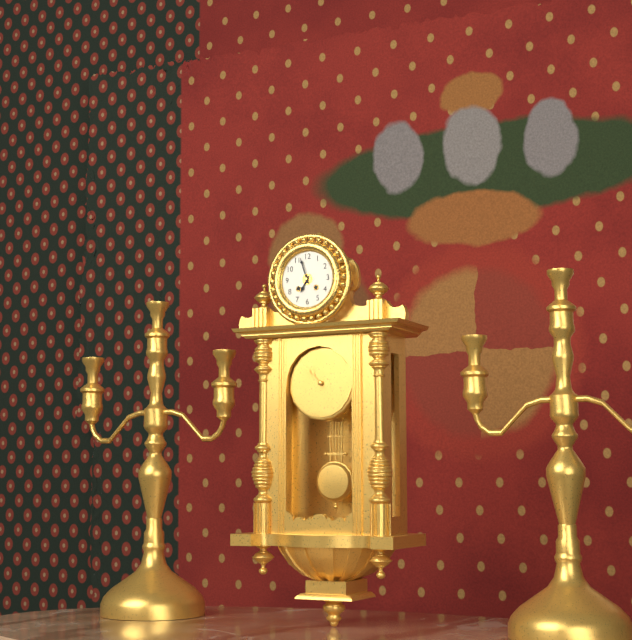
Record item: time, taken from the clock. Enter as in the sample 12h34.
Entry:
6h57
